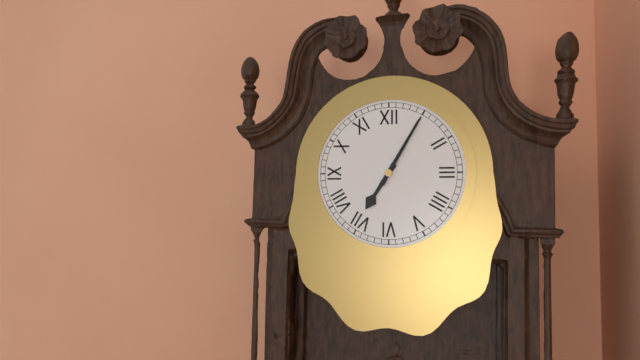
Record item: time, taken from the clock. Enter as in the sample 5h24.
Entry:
7h05
